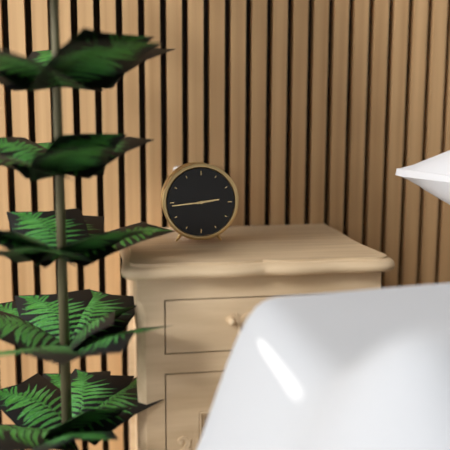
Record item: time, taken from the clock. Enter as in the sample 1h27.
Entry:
2h44
